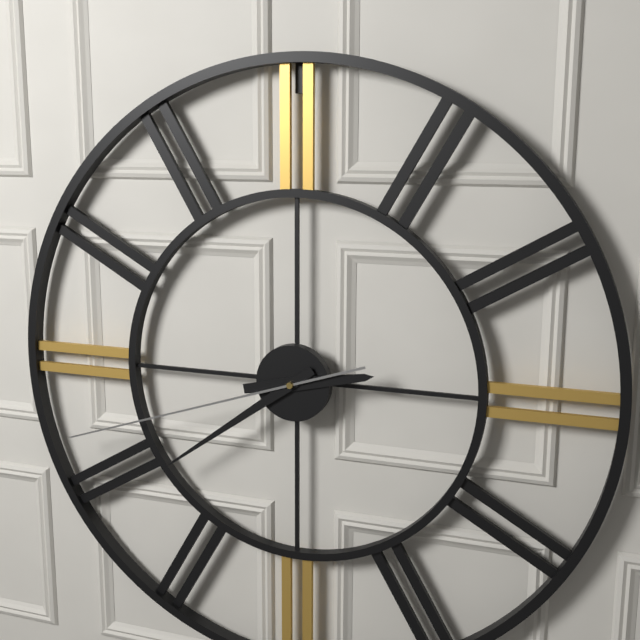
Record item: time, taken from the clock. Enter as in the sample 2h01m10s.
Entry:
2h39m42s
